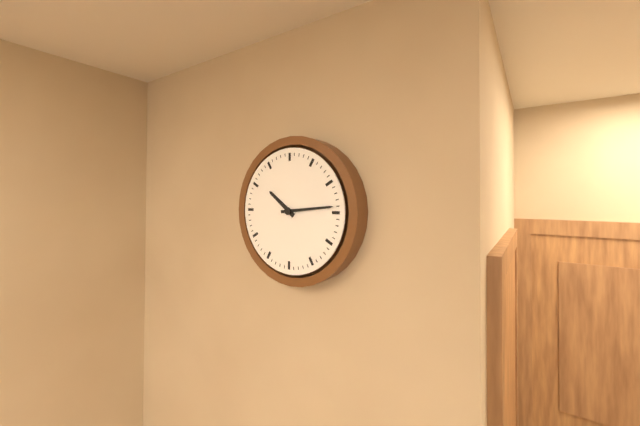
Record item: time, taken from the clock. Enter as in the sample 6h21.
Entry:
10h14
